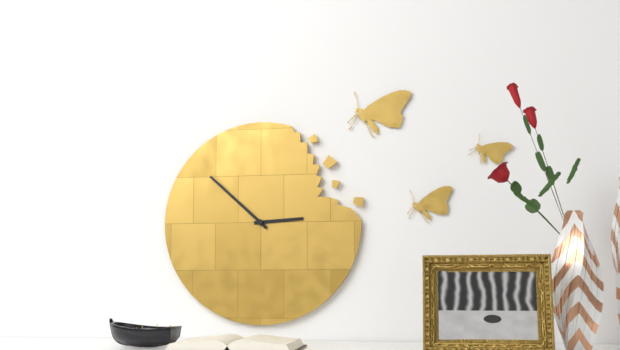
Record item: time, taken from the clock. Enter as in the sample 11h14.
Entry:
2h52
